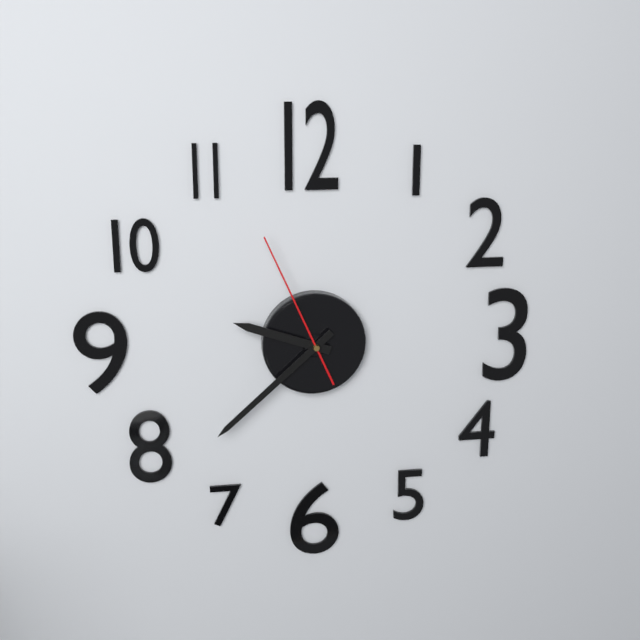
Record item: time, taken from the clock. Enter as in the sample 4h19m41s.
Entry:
9h38m56s
